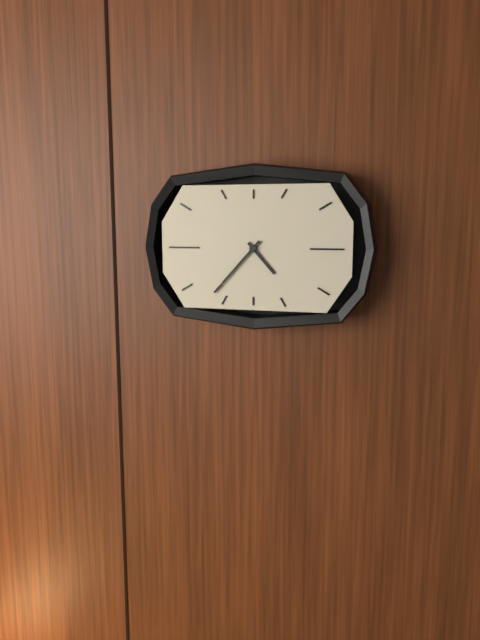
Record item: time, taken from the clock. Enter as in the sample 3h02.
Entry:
4h37
